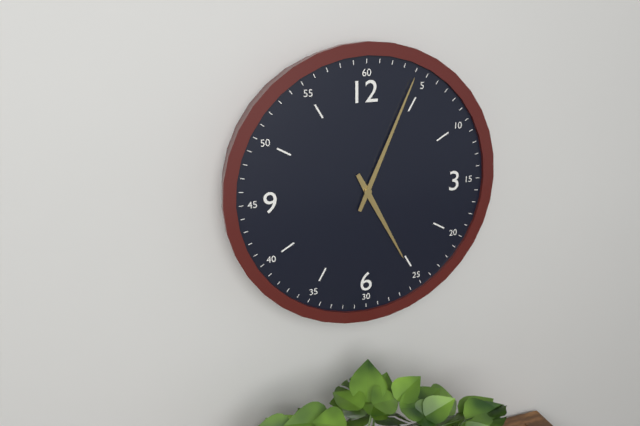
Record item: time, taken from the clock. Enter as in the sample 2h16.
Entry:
5h04
